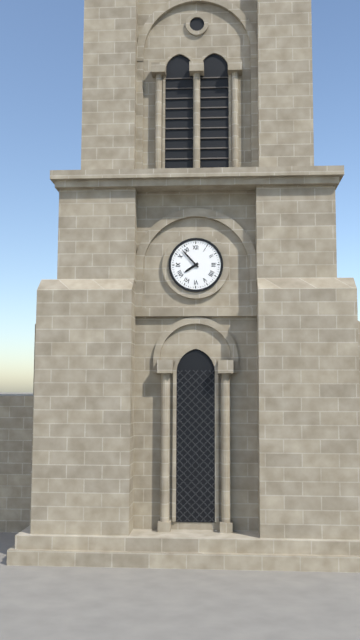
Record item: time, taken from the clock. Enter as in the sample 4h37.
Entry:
7h53
